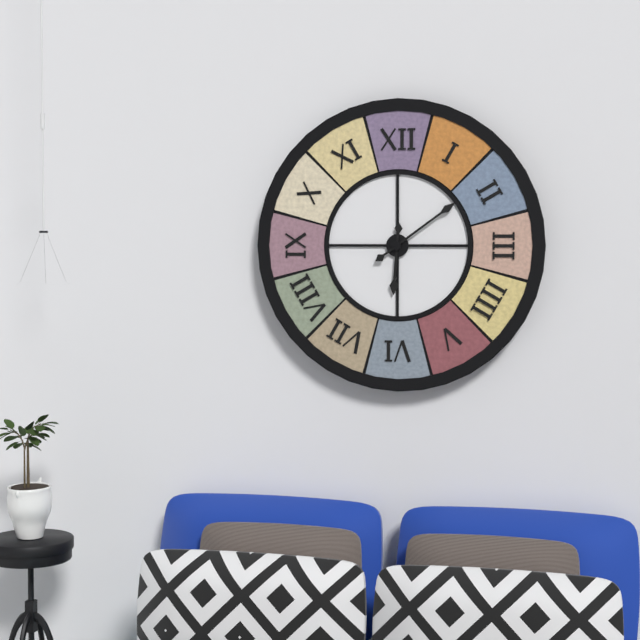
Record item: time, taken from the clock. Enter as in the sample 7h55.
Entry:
6h09
